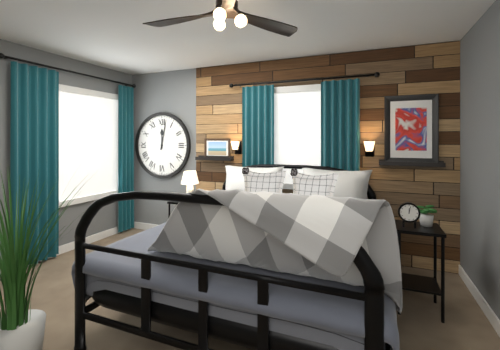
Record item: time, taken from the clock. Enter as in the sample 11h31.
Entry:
12h02
